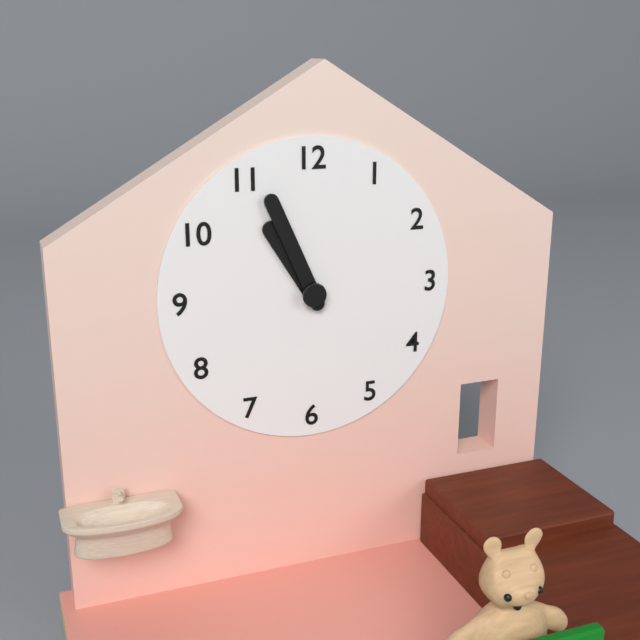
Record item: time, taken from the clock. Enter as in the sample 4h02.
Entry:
10h56
